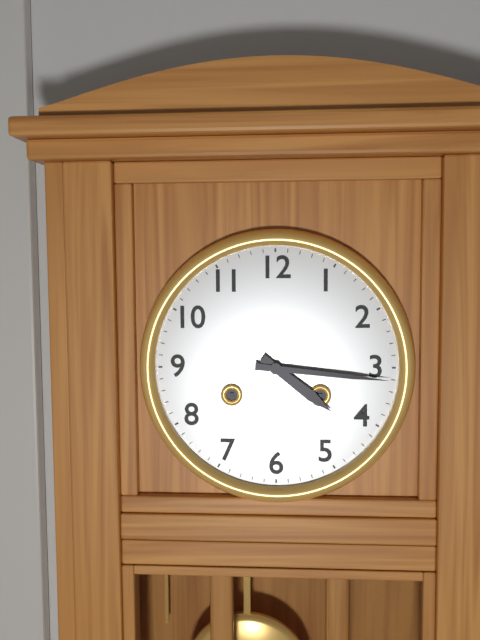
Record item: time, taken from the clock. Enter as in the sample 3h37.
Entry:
4h16
